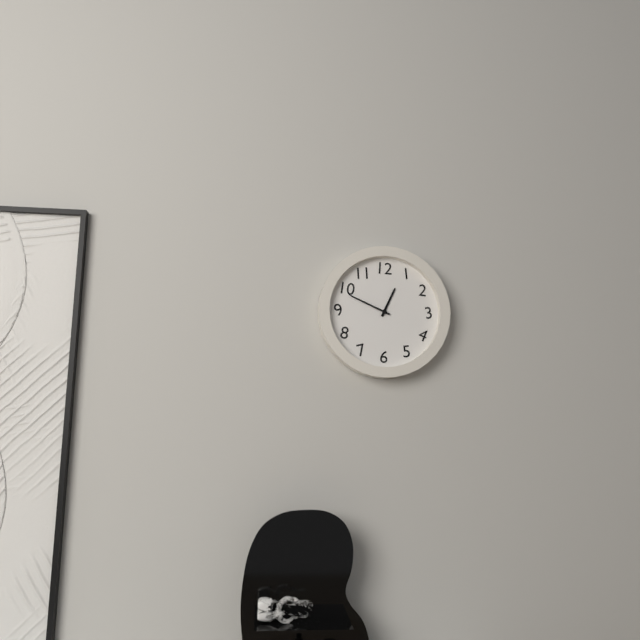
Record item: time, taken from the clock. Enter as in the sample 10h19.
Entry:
12h49
